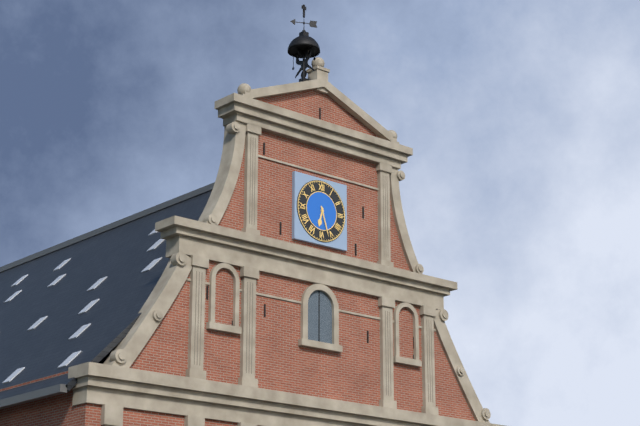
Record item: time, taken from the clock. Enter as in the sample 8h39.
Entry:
6h27
